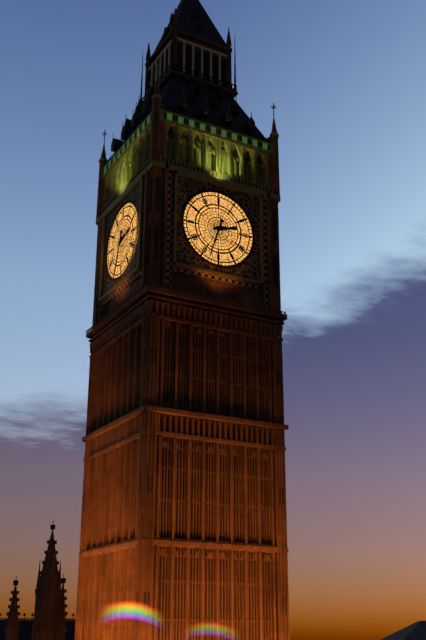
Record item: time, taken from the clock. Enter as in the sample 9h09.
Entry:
2h33
